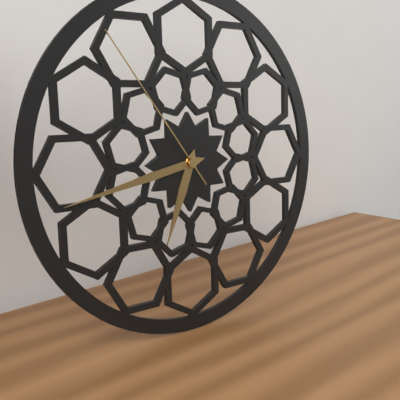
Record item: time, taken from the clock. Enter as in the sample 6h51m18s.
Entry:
6h43m54s
